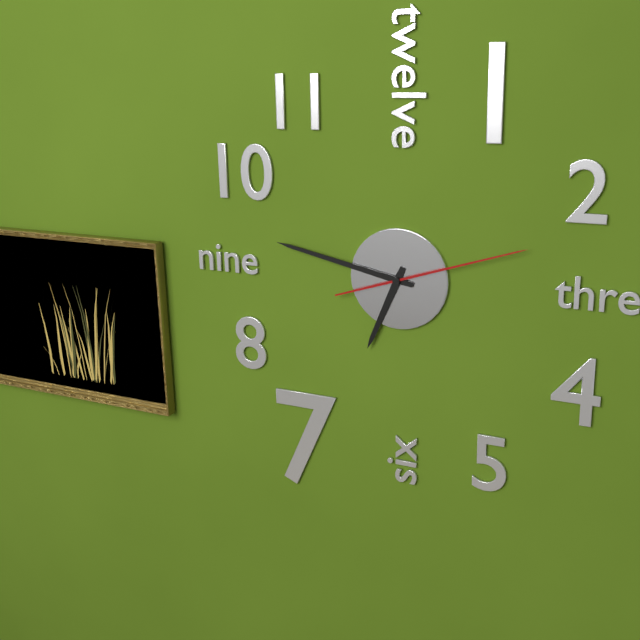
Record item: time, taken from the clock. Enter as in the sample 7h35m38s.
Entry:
6h47m12s
